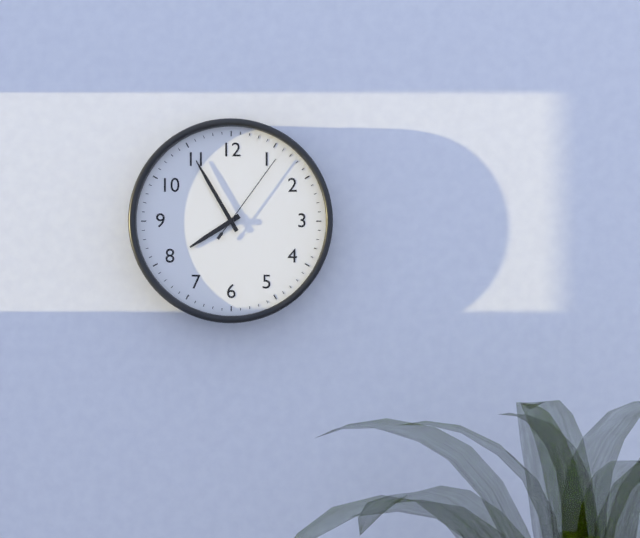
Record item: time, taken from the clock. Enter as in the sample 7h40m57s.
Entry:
7h55m06s
